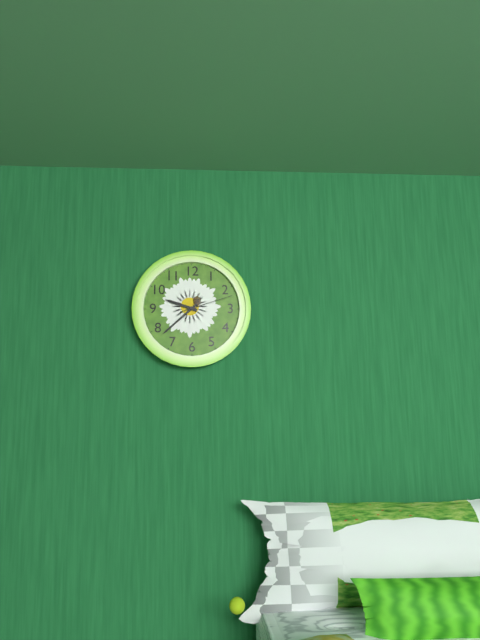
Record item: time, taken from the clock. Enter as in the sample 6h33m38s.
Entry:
9h38m12s
